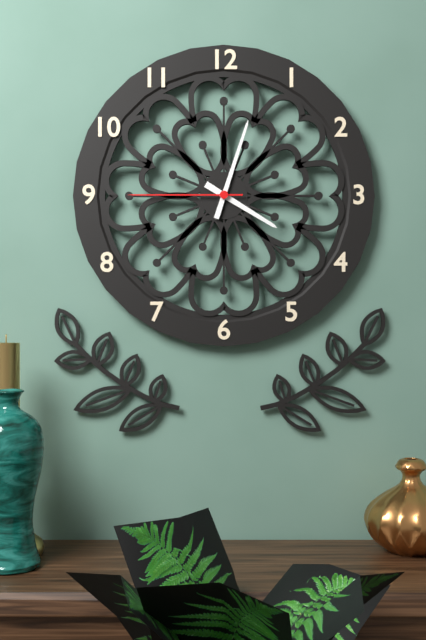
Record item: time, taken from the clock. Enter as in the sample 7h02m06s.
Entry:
4h03m45s
